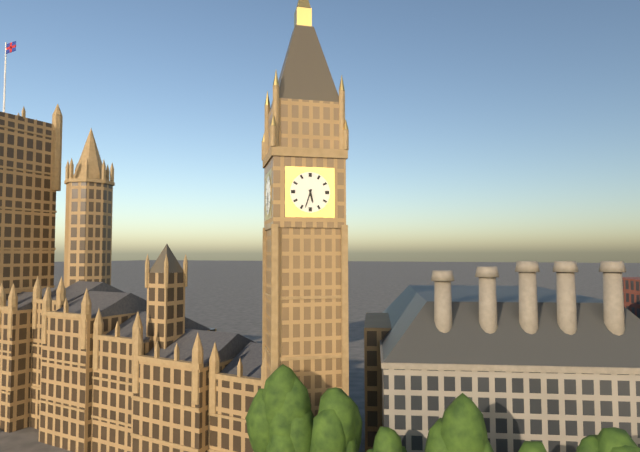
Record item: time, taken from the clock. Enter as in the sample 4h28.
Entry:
5h33
